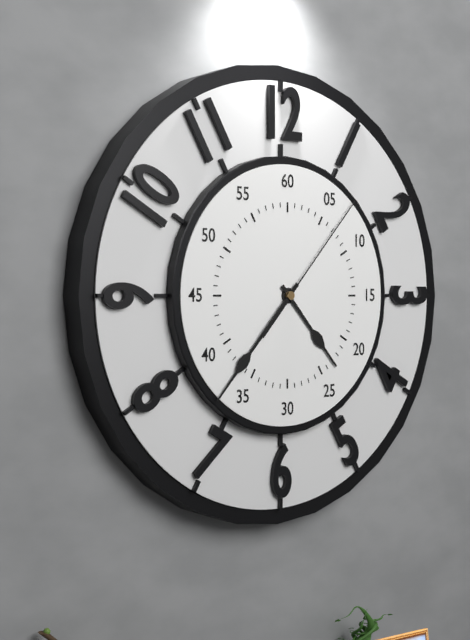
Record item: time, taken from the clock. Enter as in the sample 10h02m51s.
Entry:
4h37m07s
